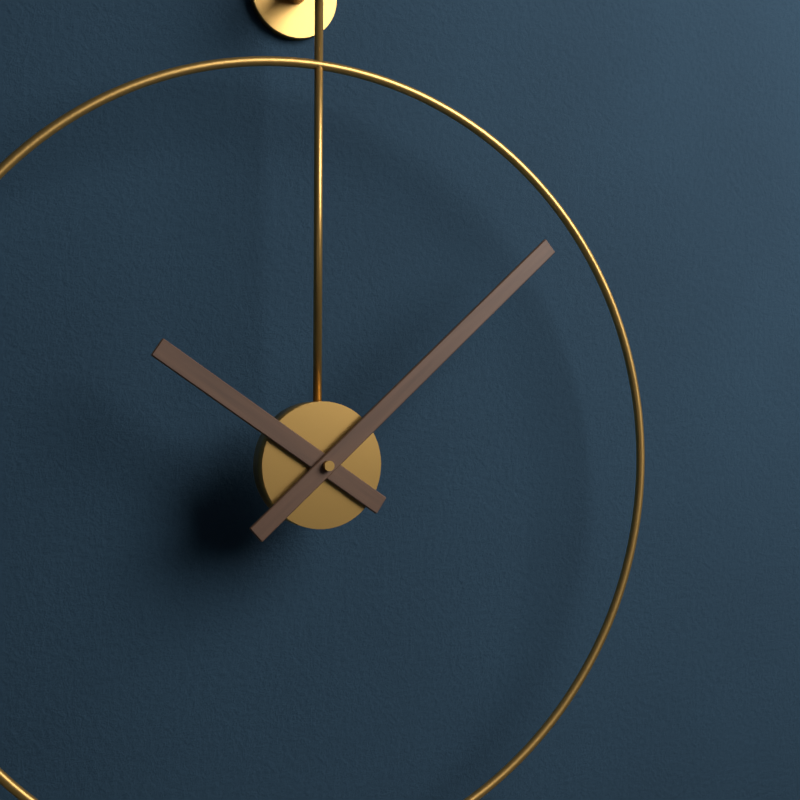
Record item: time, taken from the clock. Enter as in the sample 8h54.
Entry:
10h08
